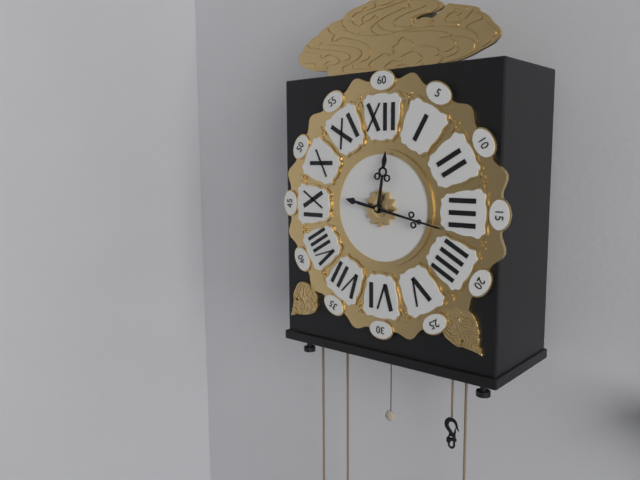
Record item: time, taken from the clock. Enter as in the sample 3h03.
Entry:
12h17
